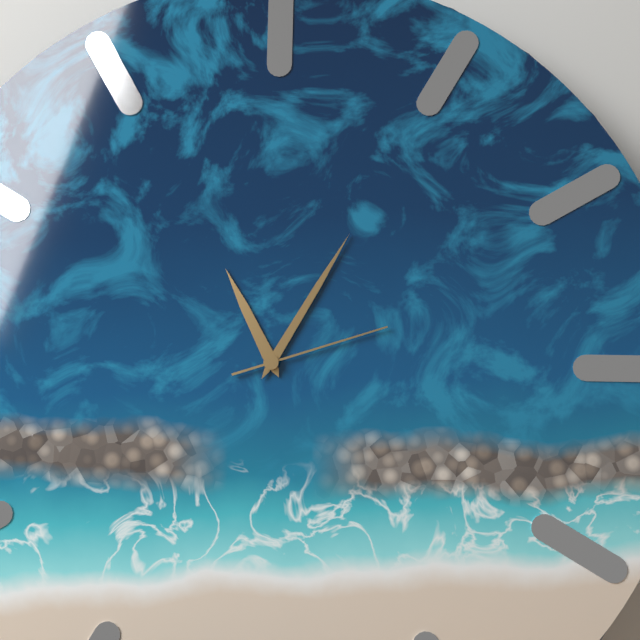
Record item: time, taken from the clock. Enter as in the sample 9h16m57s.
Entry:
11h05m12s
